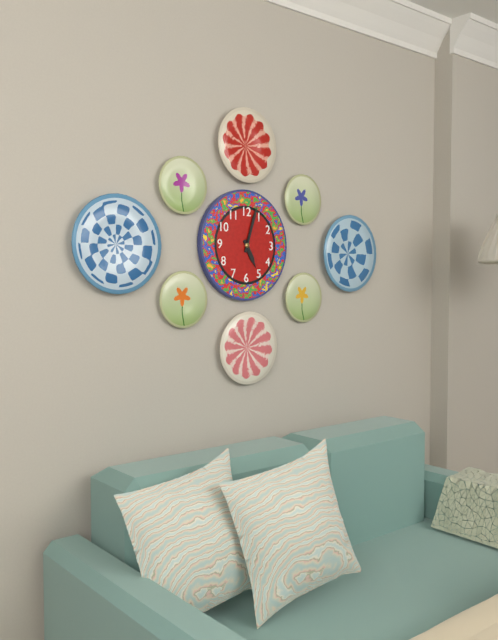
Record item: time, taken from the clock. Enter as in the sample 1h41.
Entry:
5h03
